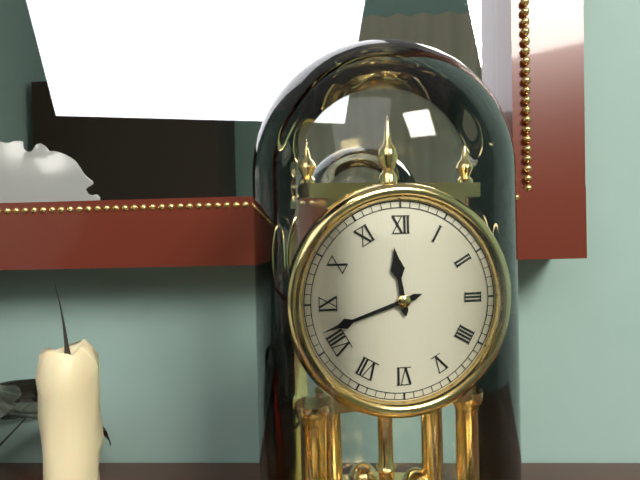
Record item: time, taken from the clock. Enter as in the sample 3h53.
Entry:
11h42
